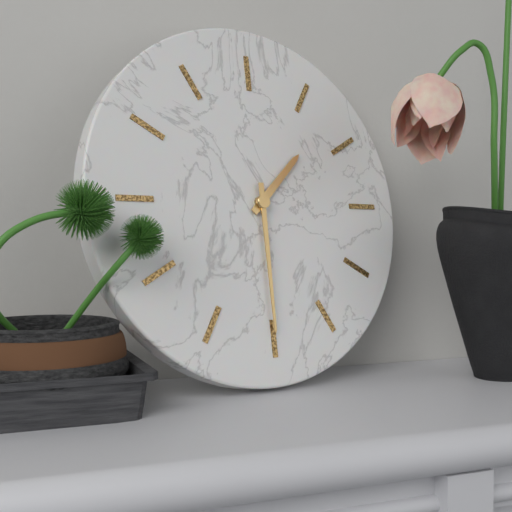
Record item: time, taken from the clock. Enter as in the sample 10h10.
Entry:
1h30
